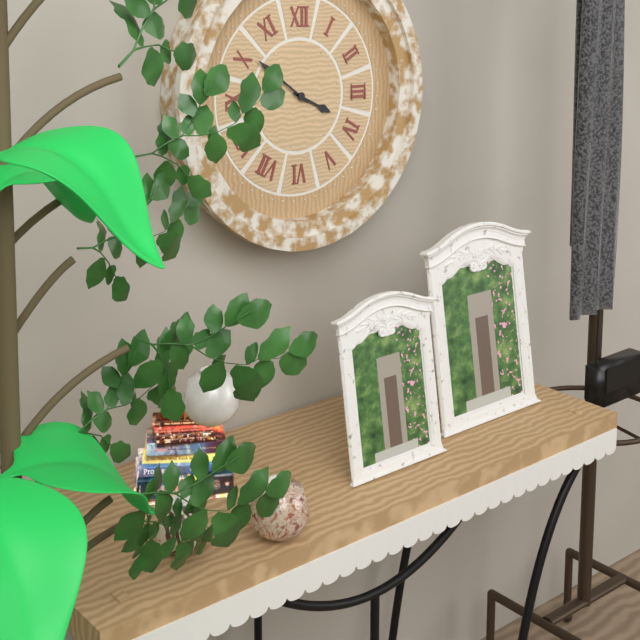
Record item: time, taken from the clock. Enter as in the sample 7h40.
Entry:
3h51
